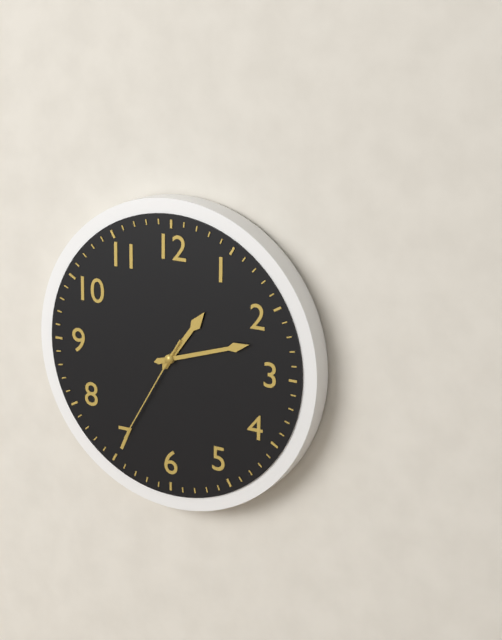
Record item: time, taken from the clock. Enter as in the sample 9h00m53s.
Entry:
1h12m35s
